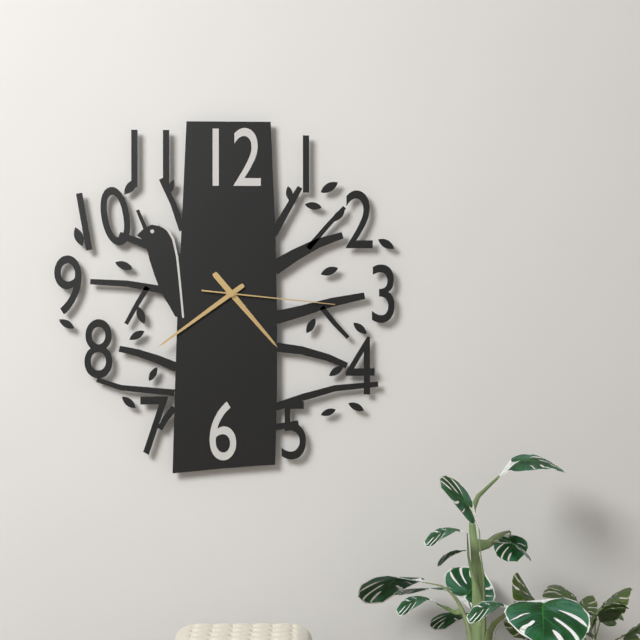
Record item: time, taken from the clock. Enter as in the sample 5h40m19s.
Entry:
4h39m16s
